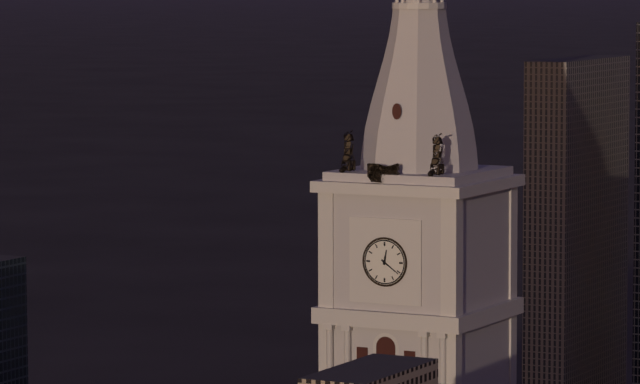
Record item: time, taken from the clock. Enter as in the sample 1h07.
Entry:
12h21
